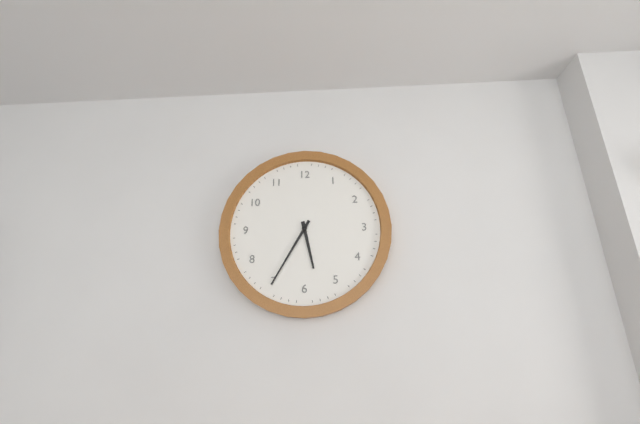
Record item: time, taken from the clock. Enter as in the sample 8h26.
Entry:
5h35
